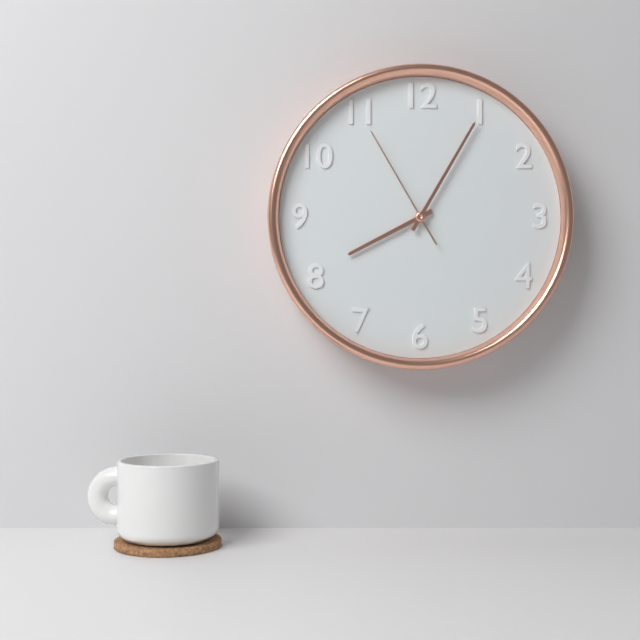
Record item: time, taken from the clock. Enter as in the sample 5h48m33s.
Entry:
8h05m55s
